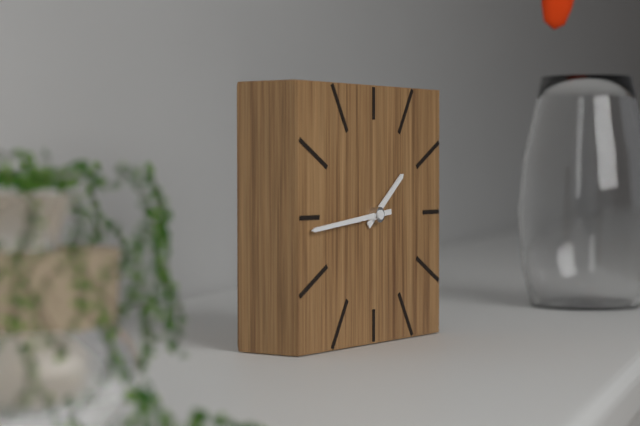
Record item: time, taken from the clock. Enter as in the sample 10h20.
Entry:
1h44
